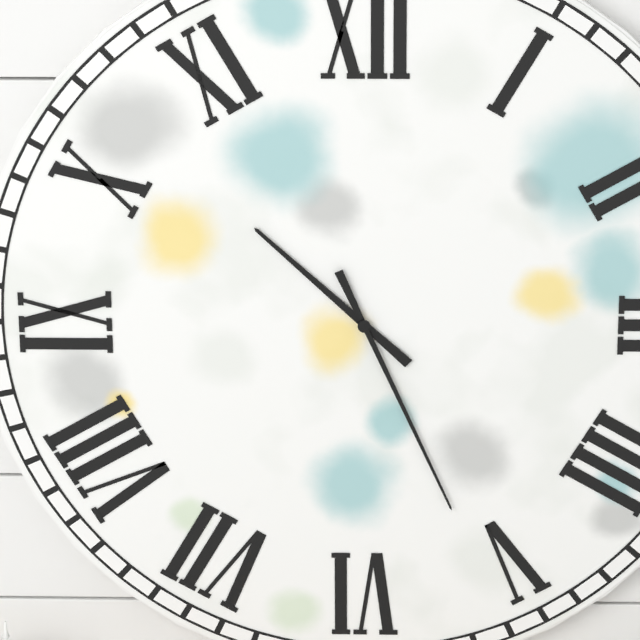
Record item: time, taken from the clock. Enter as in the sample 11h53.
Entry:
10h26
